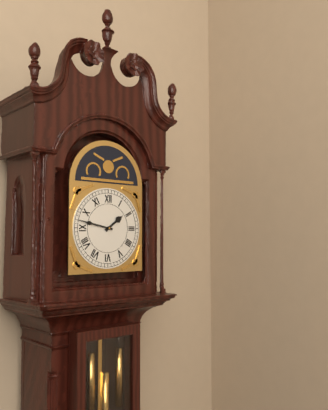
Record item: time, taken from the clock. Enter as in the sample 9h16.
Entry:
1h47
